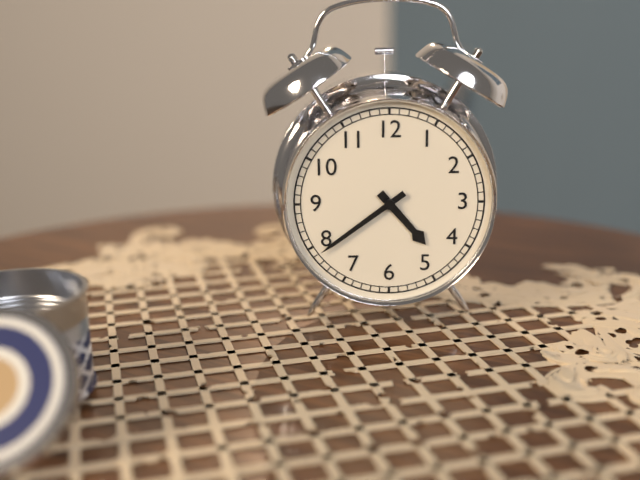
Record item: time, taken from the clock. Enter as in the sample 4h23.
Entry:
4h39
